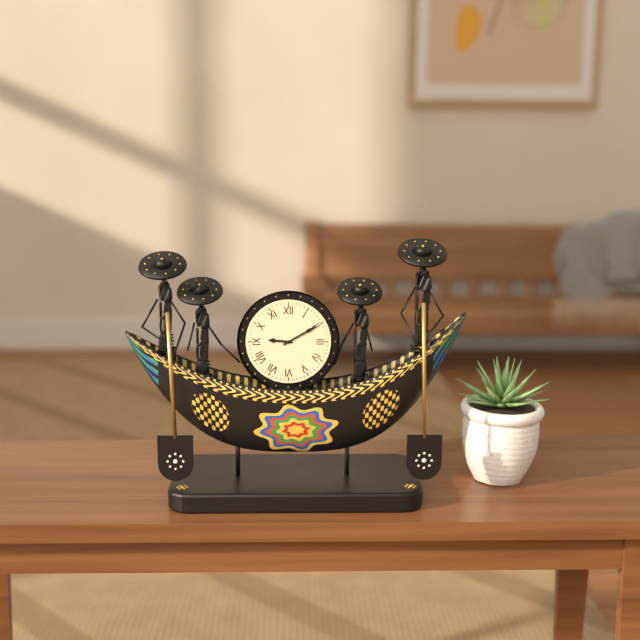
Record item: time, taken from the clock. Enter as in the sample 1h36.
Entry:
9h10
